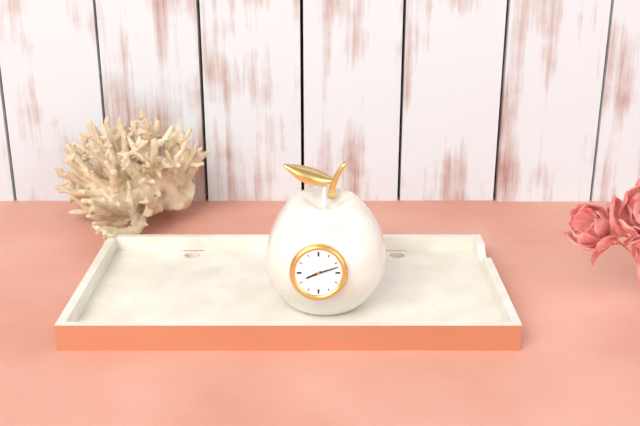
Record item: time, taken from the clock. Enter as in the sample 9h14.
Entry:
8h12
